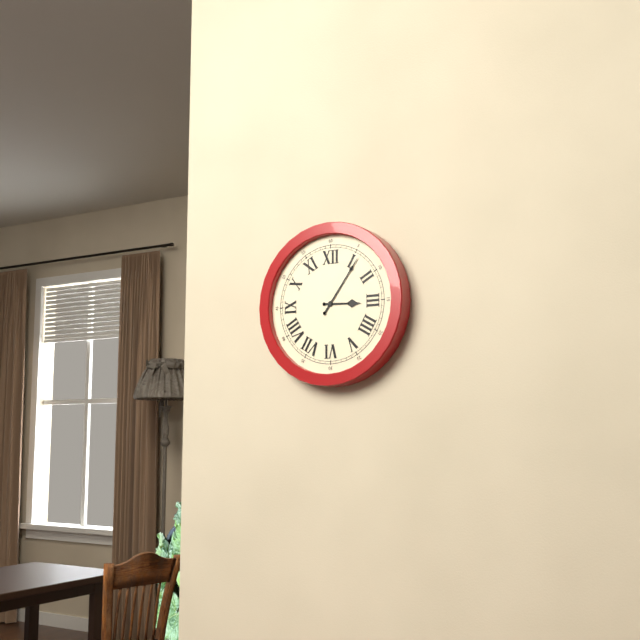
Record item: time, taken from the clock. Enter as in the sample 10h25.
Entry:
3h06
